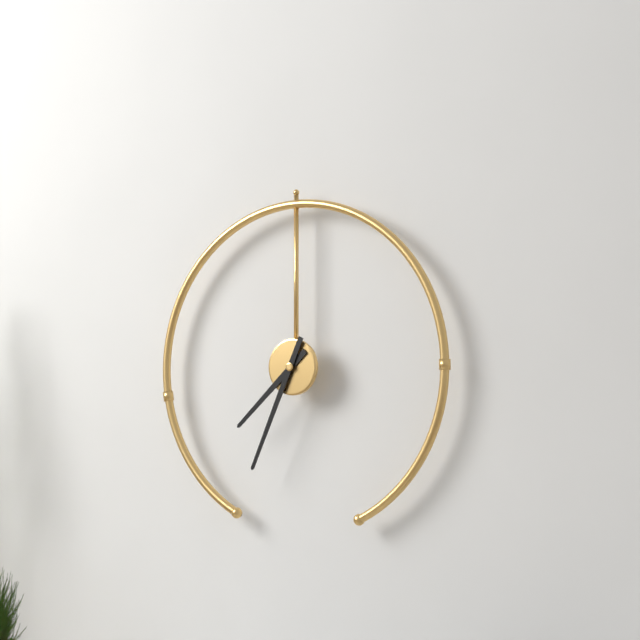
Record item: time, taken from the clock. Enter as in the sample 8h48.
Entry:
7h34
